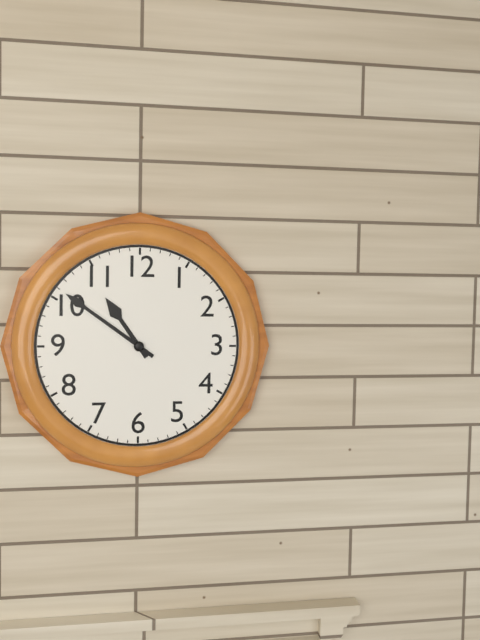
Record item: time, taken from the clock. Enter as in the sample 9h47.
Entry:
10h51
